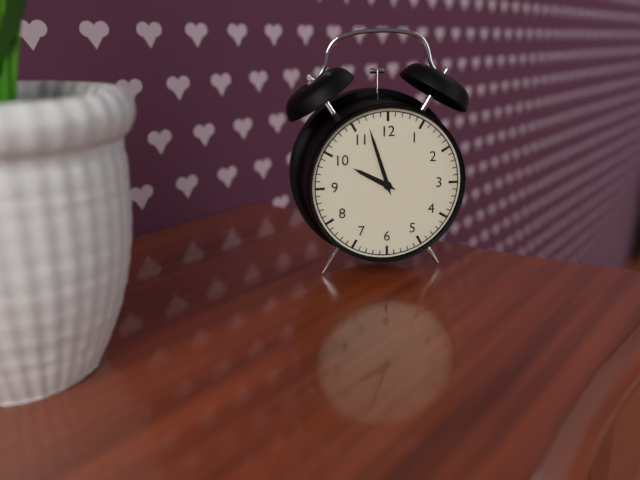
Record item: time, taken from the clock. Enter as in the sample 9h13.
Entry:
9h57
